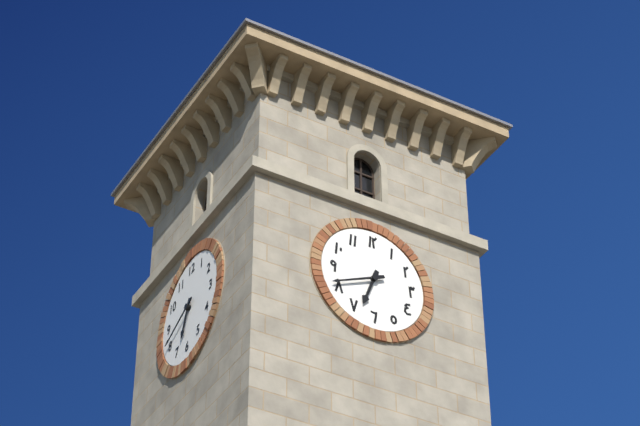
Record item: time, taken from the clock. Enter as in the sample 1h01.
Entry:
6h41
